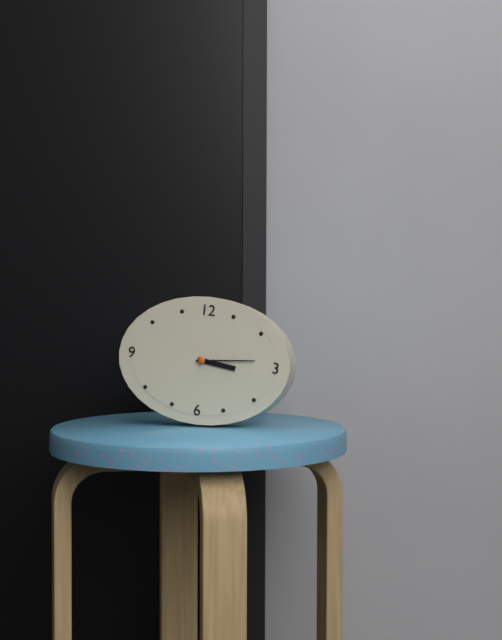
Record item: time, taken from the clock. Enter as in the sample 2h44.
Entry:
3h14
